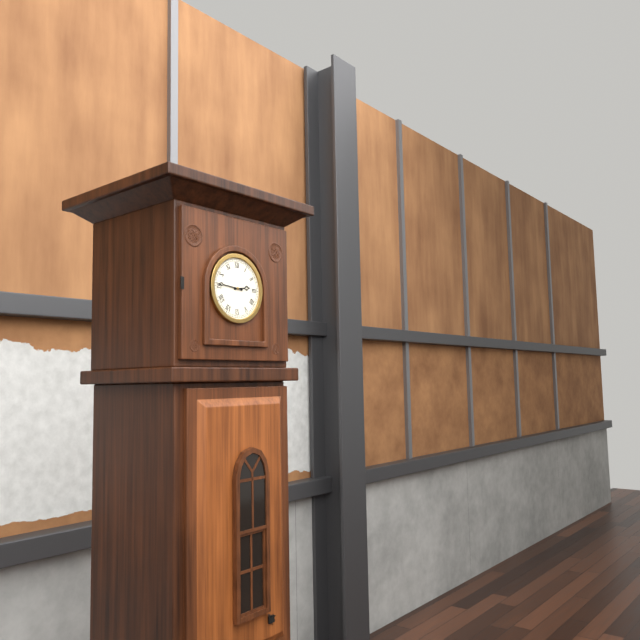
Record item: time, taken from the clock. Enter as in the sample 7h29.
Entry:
2h46
